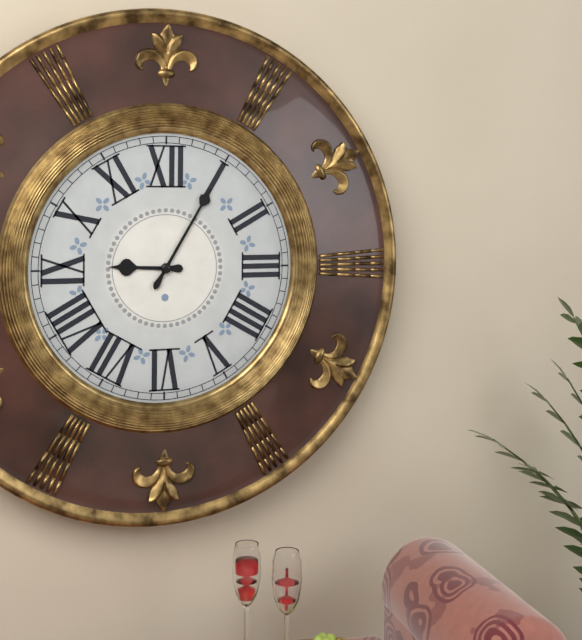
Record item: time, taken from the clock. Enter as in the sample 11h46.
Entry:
9h05
